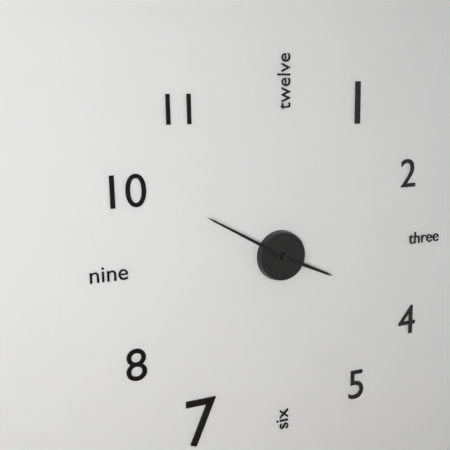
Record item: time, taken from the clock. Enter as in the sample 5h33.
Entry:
3h50
